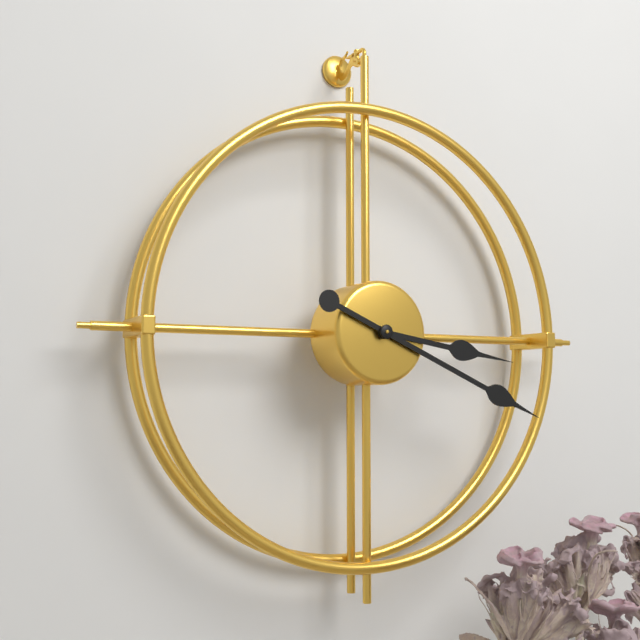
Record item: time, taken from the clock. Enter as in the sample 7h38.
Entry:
3h19
